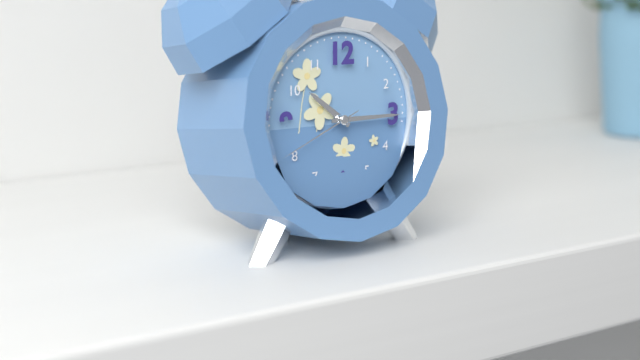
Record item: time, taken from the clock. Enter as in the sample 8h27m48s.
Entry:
10h15m41s
